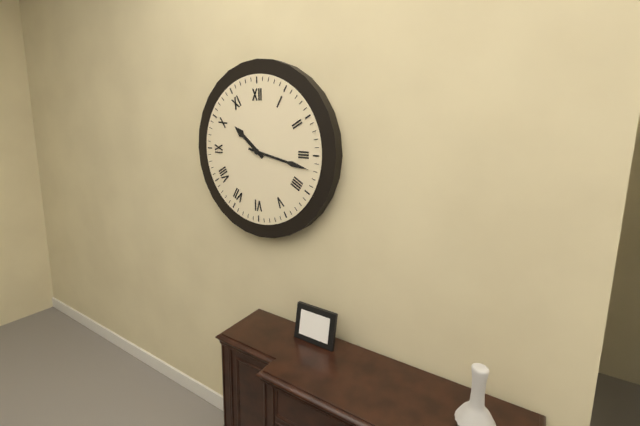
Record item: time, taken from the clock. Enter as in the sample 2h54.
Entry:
10h17
